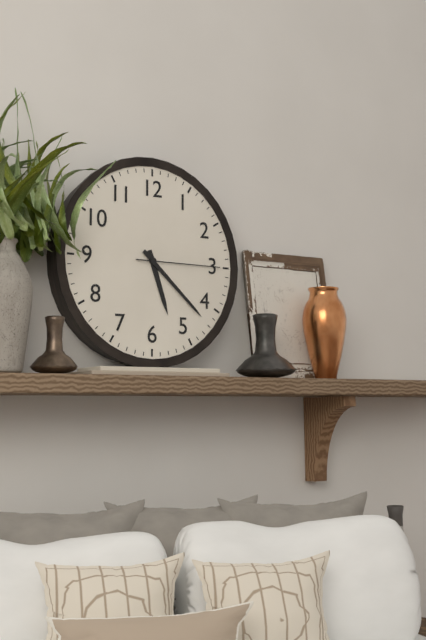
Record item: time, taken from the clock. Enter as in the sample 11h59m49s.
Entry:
5h22m15s
